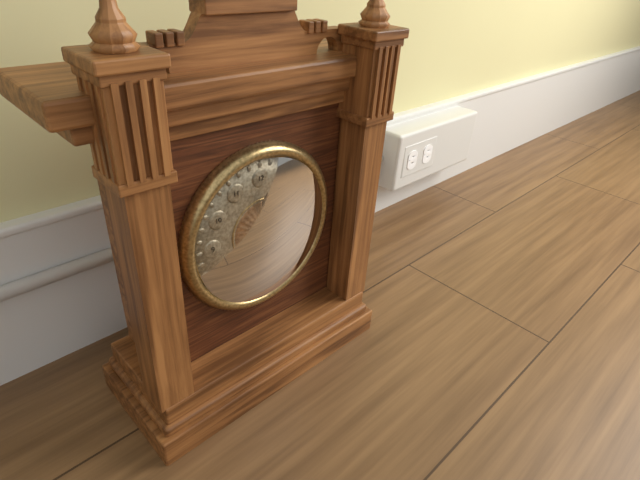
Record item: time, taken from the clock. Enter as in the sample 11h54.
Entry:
12h07
